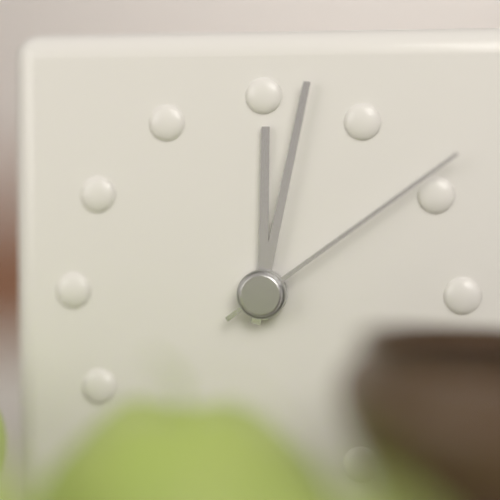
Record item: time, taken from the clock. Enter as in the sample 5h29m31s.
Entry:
12h02m09s
